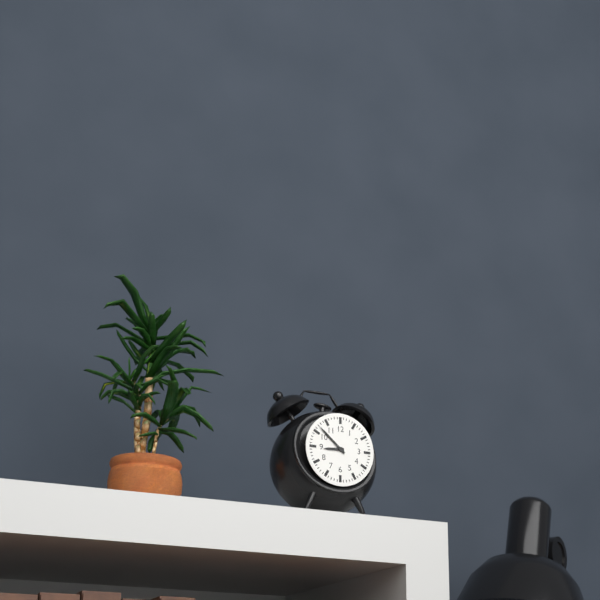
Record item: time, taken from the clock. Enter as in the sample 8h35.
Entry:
8h52
